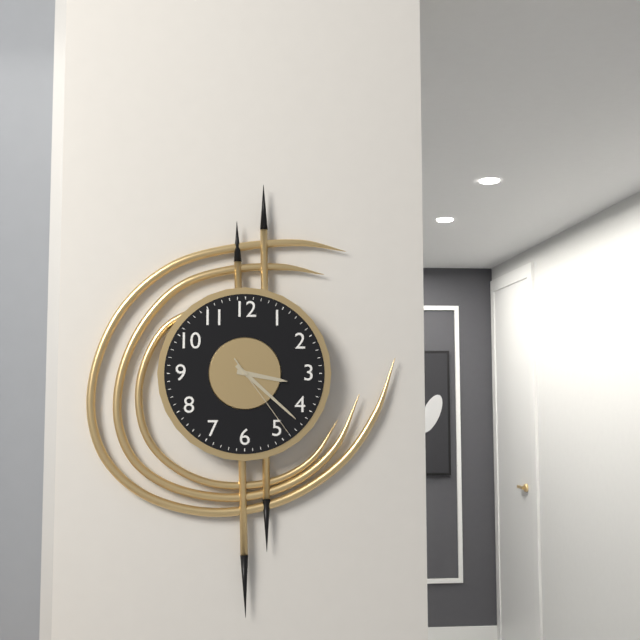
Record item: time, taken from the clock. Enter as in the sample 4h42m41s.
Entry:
3h22m24s
